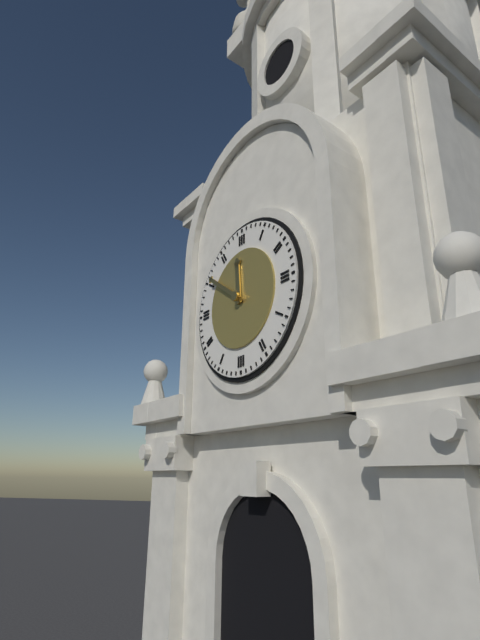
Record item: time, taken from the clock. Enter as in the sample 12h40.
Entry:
11h51
